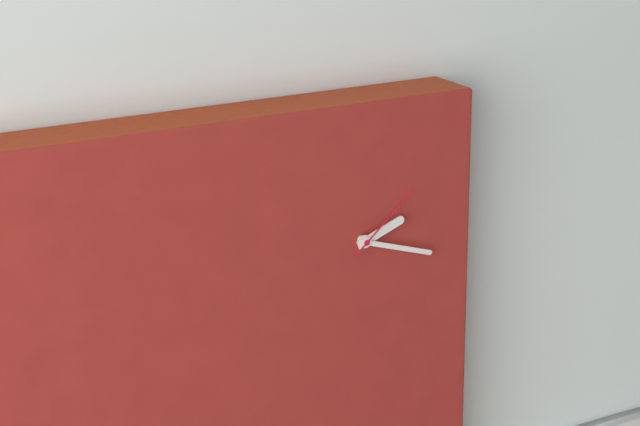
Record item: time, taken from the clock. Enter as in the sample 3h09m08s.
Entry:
2h18m08s
